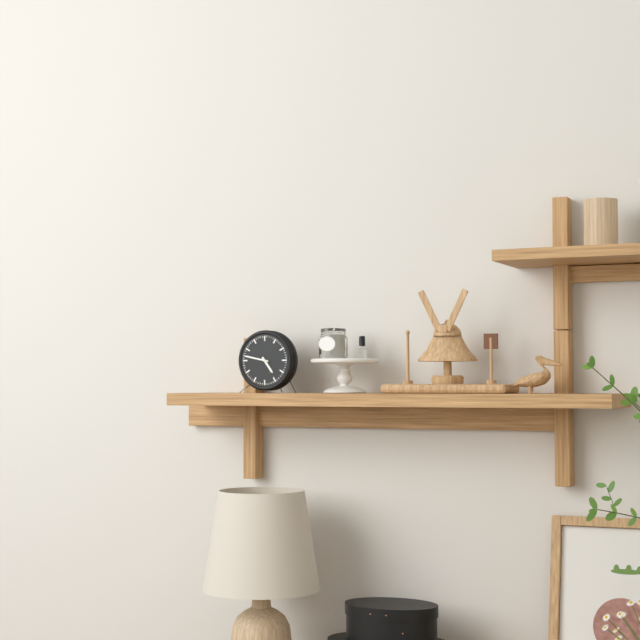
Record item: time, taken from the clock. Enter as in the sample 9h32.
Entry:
4h47
